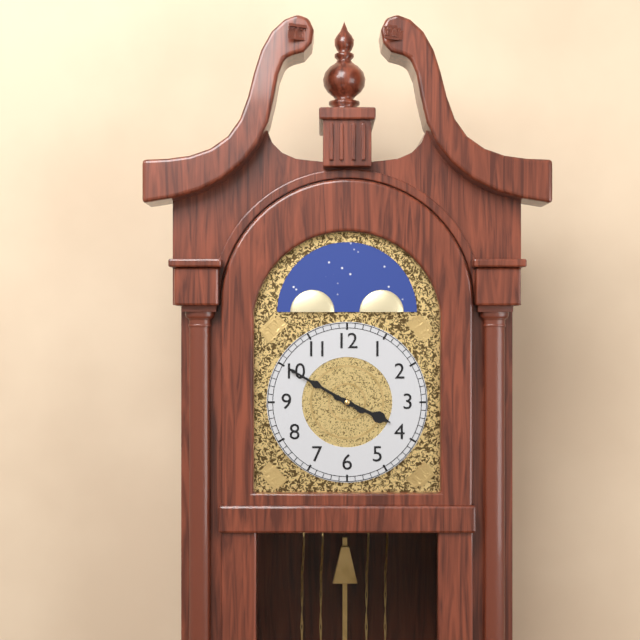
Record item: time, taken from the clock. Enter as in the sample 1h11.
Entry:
3h50
